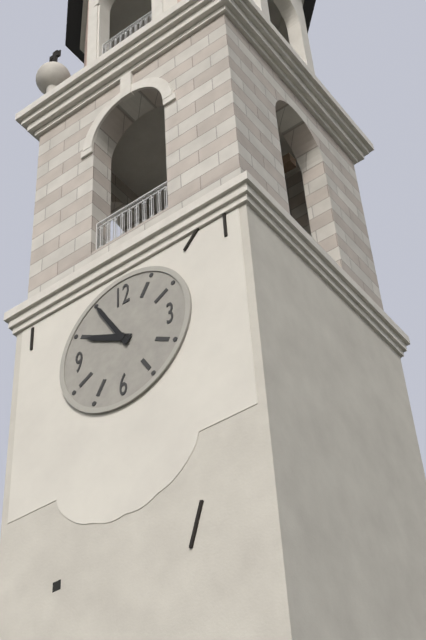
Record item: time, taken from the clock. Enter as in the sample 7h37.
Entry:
9h55
